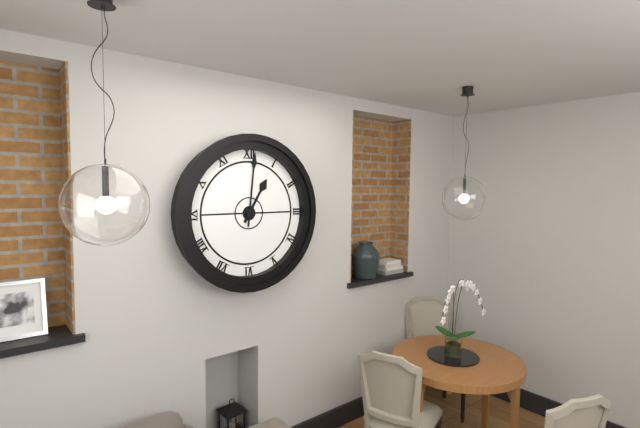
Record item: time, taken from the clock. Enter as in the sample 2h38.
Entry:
1h01
